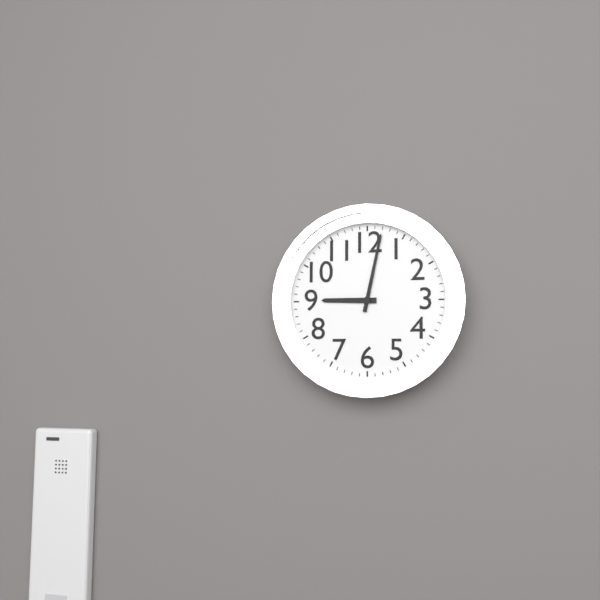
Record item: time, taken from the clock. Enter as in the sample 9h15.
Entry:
9h02
